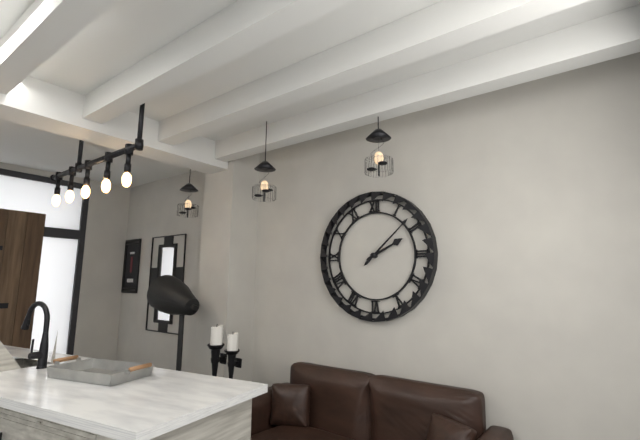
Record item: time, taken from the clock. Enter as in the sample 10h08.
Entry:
2h08
